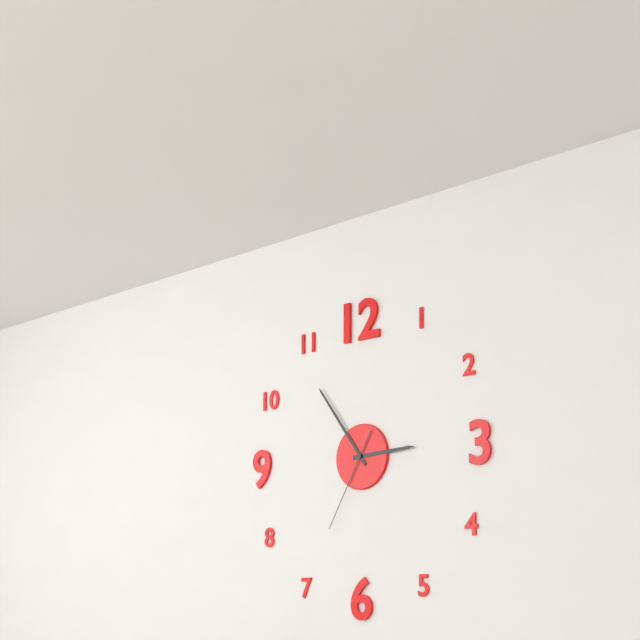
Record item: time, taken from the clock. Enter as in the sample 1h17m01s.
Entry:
2h54m35s
